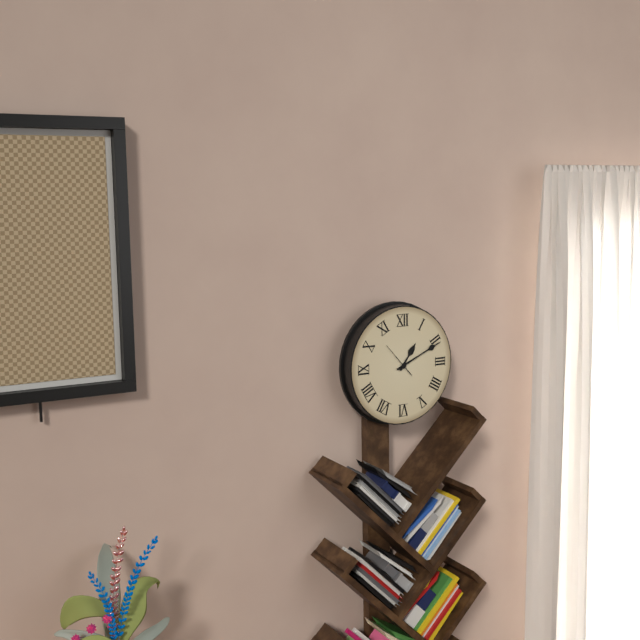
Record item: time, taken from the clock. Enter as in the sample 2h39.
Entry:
1h11
